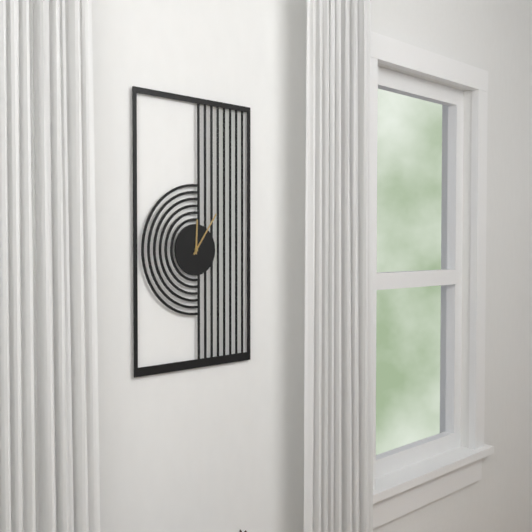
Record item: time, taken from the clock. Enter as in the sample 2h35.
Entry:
12h06
